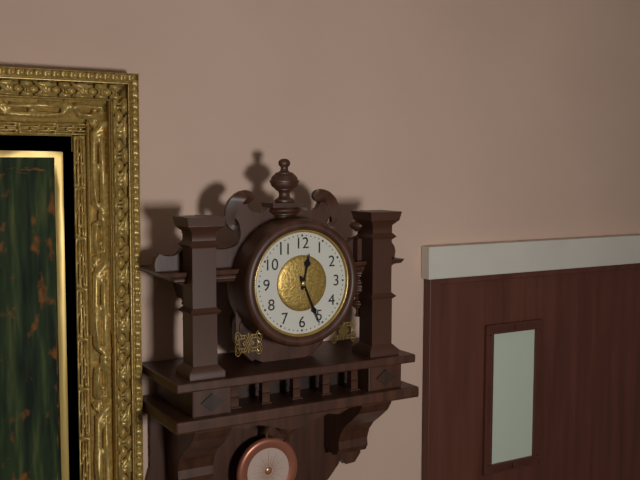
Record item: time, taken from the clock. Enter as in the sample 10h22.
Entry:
12h26
